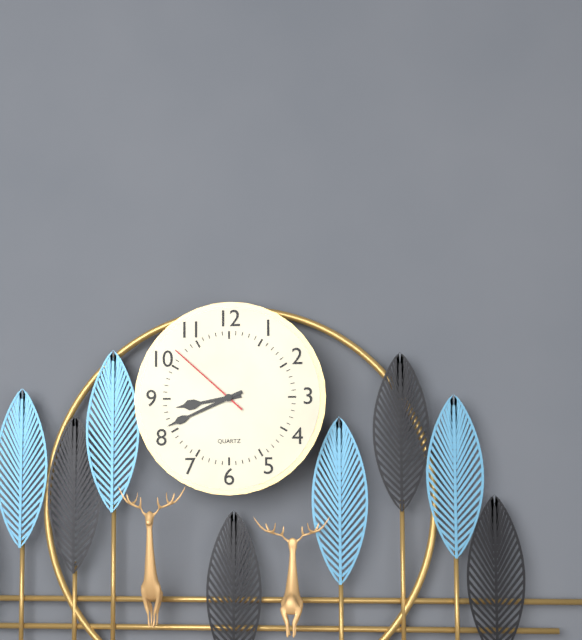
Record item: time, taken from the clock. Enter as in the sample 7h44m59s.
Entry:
8h41m52s
